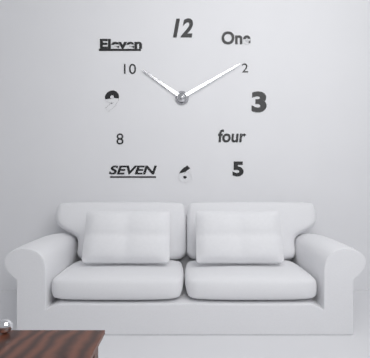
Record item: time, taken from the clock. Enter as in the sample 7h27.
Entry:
10h10
